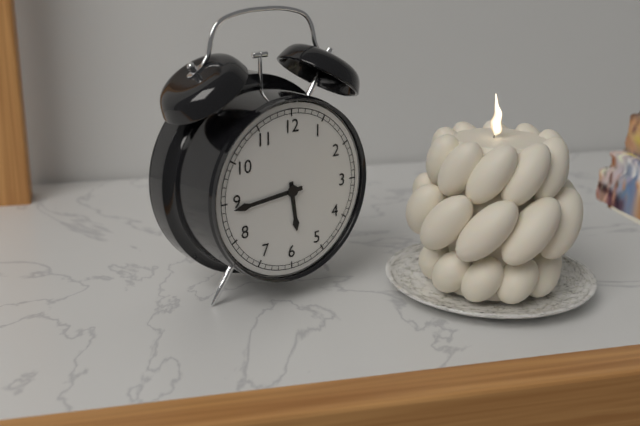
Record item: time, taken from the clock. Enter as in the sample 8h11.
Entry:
5h44
